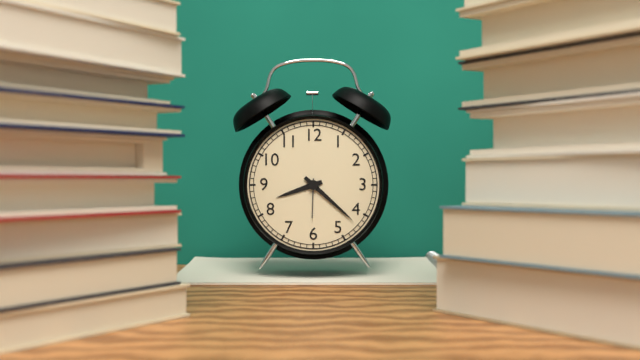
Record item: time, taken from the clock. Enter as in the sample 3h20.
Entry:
8h22
